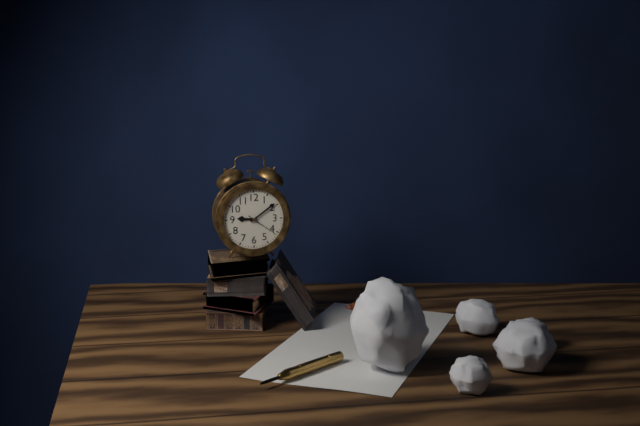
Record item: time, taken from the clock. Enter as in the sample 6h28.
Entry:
9h09
